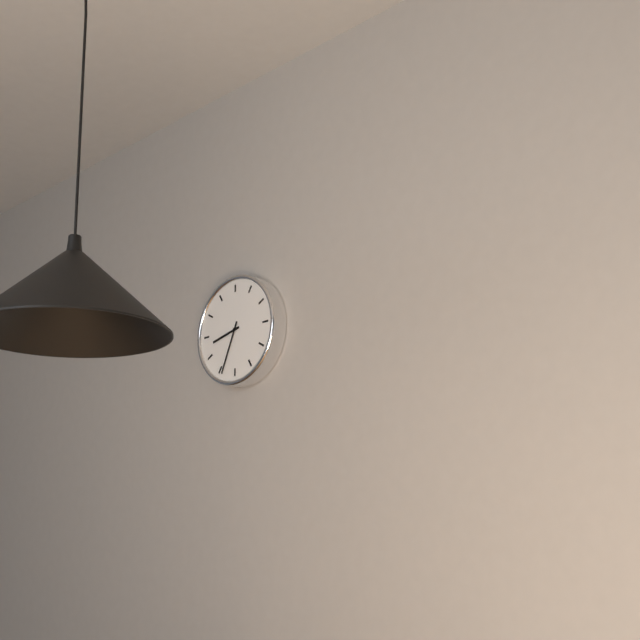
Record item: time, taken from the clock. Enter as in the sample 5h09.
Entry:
8h34
